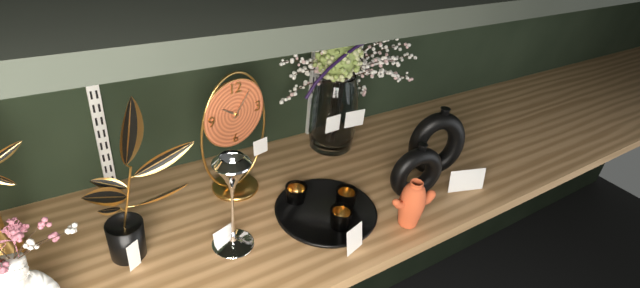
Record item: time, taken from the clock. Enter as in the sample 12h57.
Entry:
10h06
